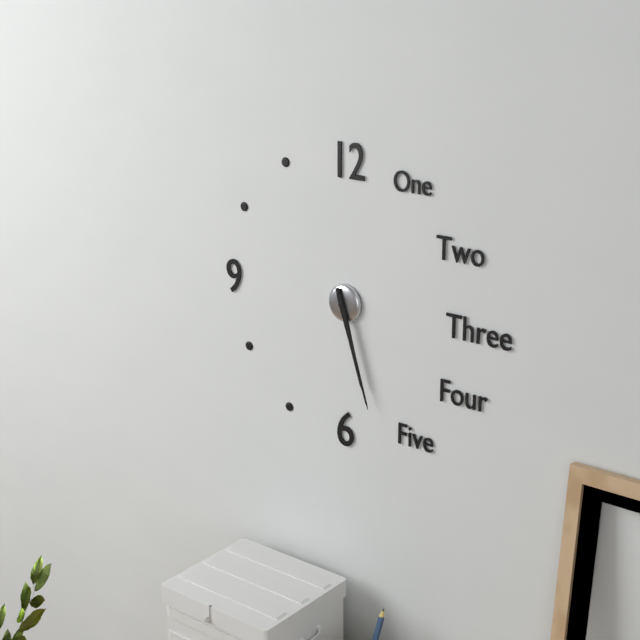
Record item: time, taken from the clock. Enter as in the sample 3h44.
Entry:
5h27
